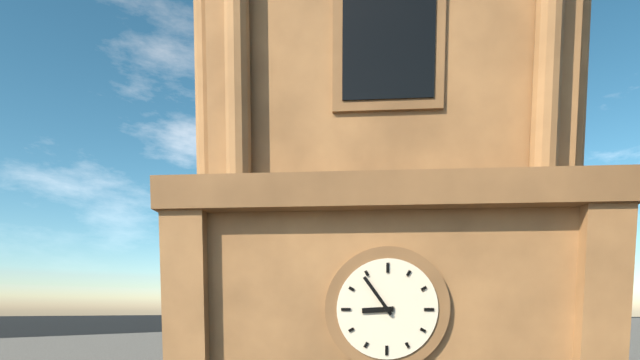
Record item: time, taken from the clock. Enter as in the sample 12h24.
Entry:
8h54
